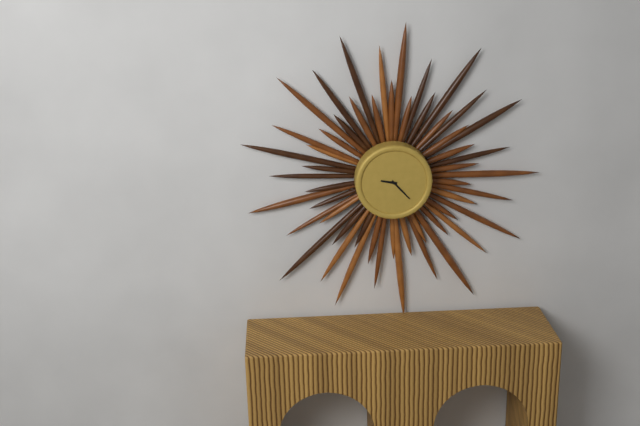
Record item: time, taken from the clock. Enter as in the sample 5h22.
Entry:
9h23
